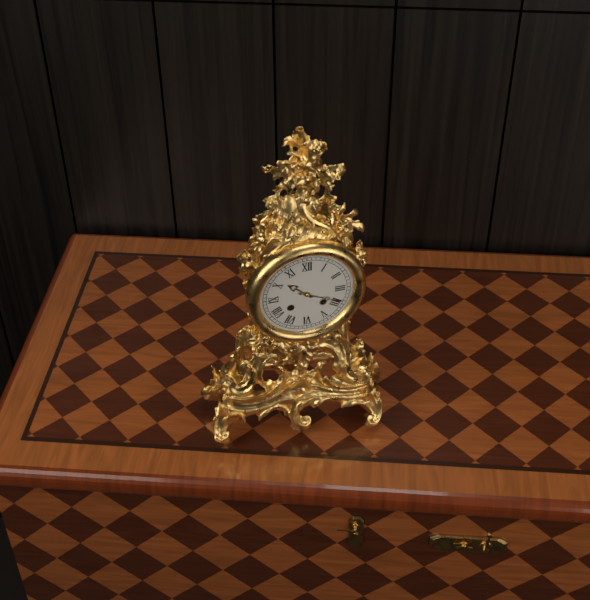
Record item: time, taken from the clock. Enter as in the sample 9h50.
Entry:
10h19
